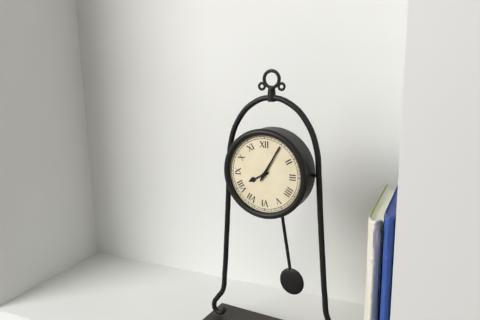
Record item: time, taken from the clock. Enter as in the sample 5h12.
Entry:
8h05
